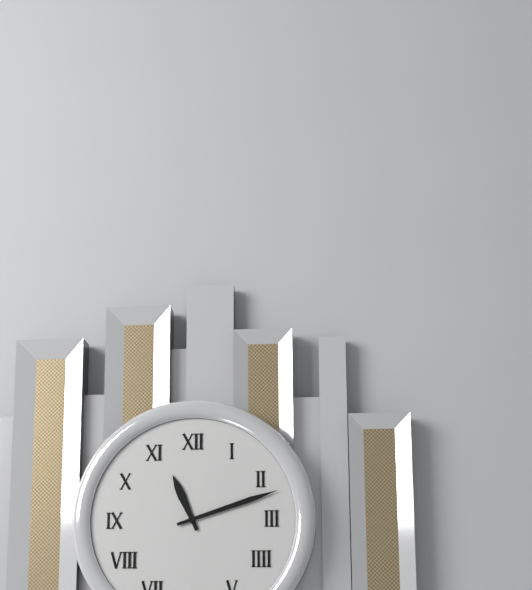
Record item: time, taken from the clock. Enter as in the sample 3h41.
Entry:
11h12
